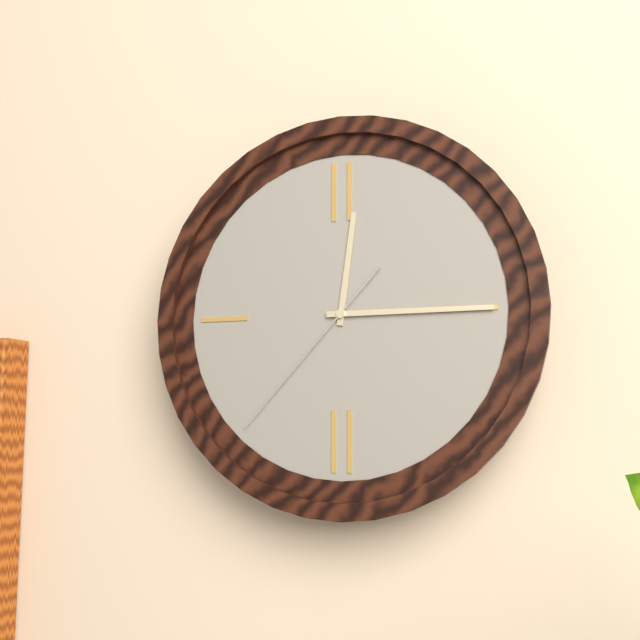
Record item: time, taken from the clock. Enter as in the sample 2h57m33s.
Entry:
12h15m37s
